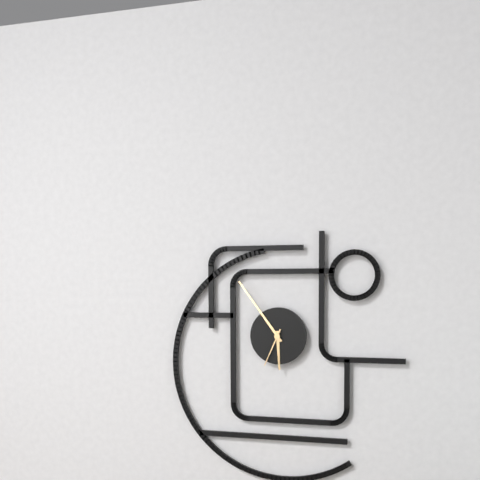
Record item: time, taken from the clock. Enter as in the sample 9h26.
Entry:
5h54
